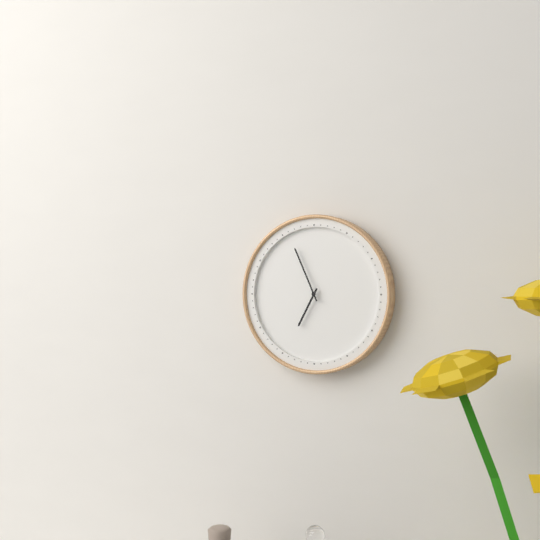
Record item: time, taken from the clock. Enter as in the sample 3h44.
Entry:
6h56
